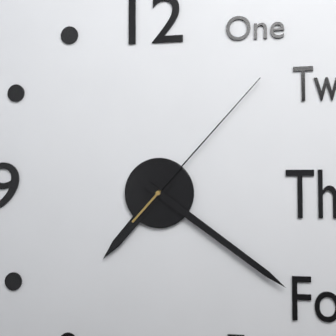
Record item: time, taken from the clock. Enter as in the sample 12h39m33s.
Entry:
7h21m07s
